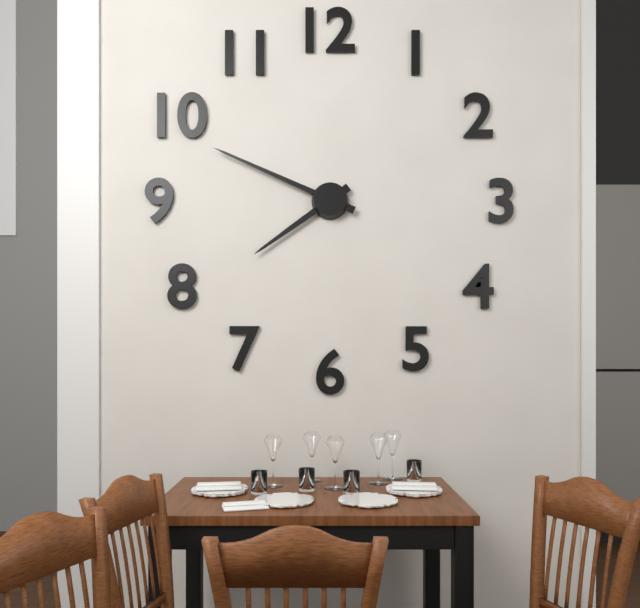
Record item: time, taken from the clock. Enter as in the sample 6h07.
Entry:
7h49
